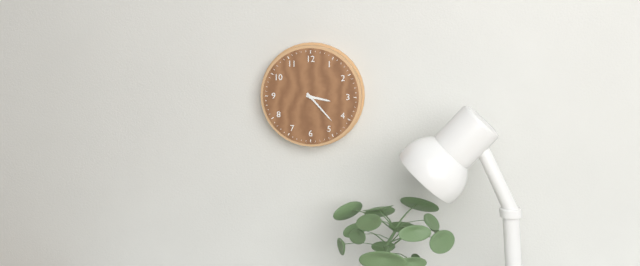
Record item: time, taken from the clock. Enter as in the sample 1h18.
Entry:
3h23
